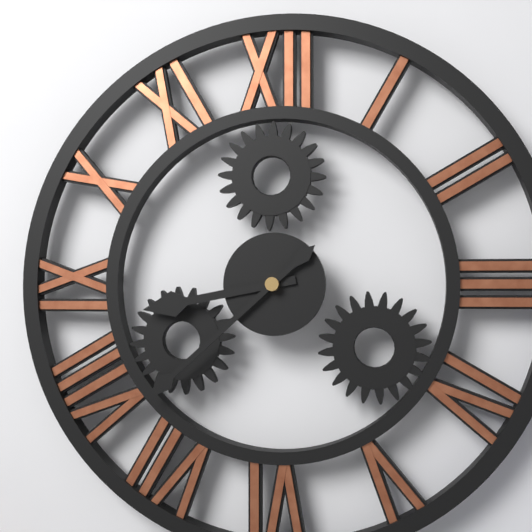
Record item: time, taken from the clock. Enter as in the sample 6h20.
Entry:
8h38
